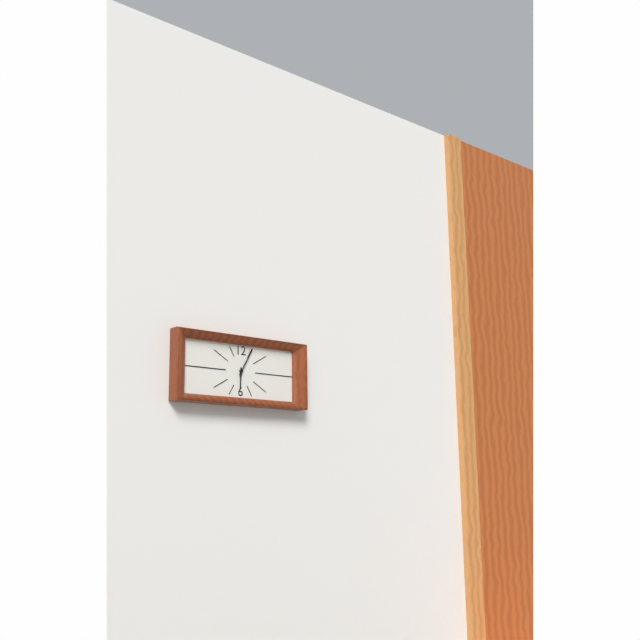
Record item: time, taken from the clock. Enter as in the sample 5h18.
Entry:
6h05
